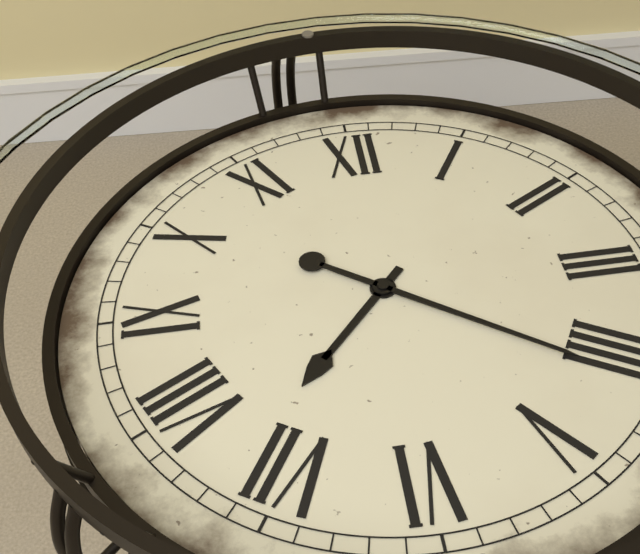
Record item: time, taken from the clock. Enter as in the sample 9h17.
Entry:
7h21
